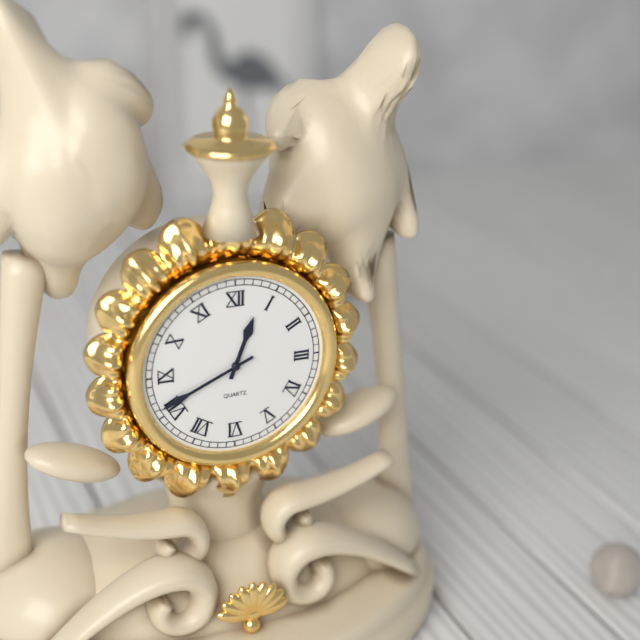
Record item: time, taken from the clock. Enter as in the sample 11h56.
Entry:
12h41
